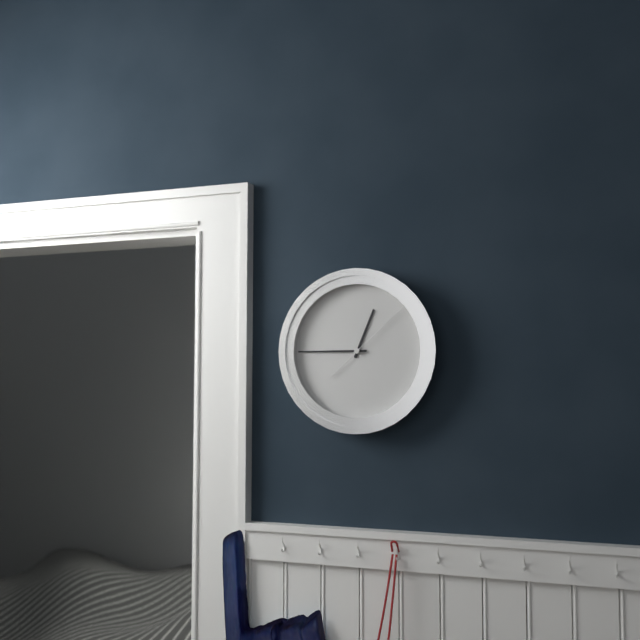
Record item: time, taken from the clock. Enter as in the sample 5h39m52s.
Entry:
12h45m08s
